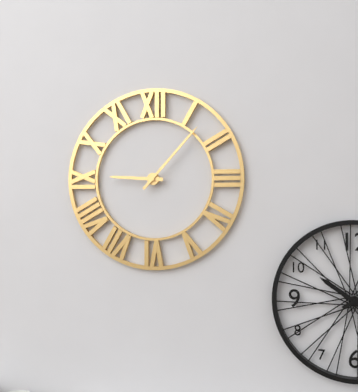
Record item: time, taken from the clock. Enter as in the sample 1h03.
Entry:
9h07
